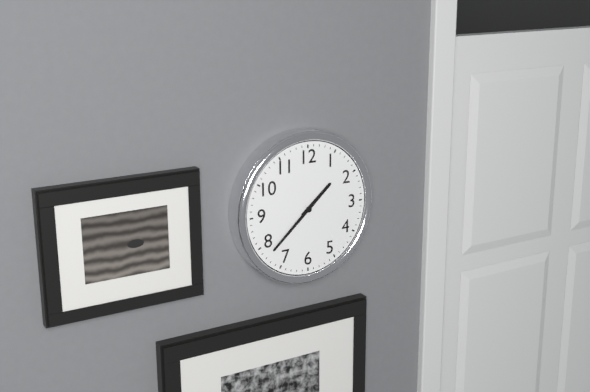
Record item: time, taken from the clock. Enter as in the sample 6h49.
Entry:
1h38
